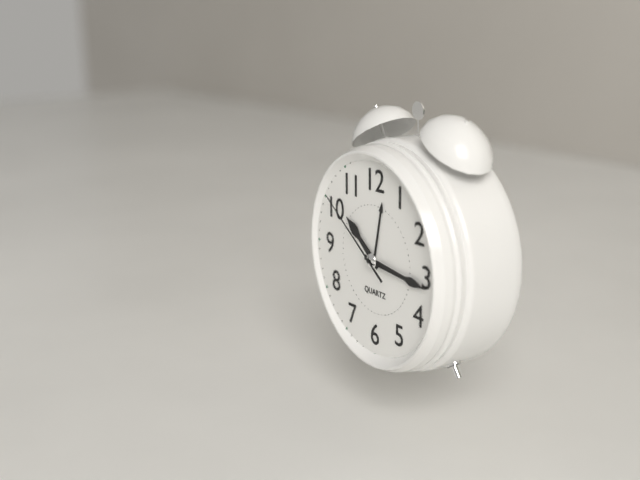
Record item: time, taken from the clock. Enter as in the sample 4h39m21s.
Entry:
10h16m51s
